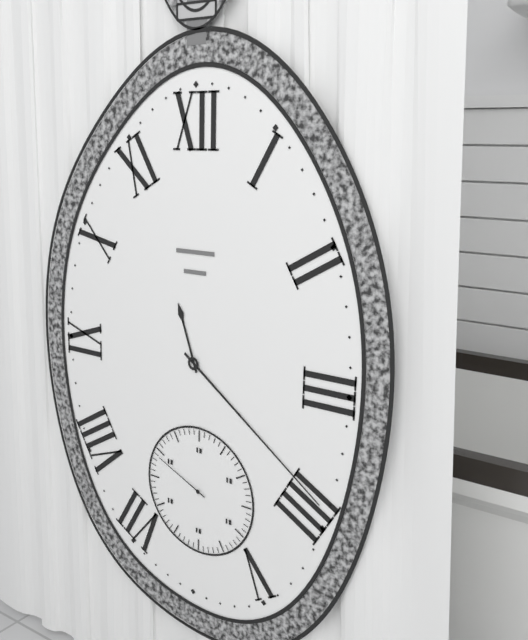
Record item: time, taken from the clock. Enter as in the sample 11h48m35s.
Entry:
11h21m49s
